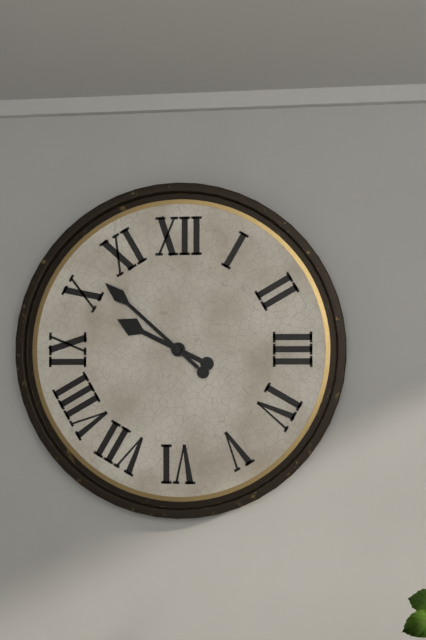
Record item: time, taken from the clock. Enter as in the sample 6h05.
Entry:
9h52
